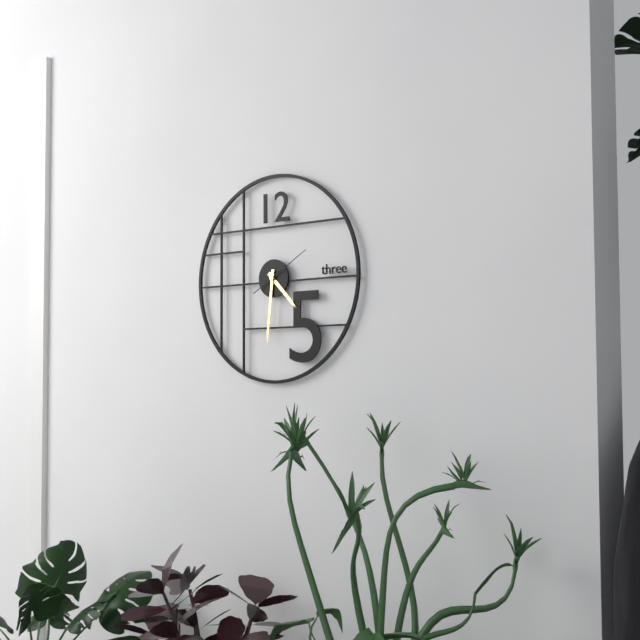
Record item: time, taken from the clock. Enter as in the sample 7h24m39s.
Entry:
4h31m10s
